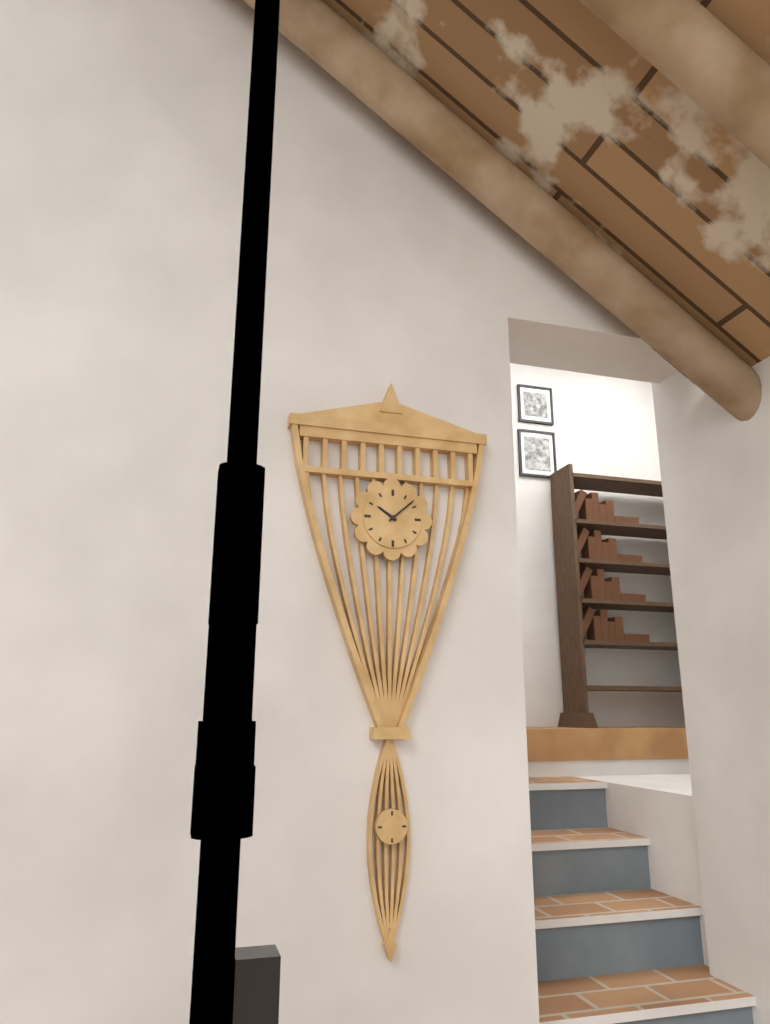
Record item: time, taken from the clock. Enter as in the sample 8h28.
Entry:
10h08
